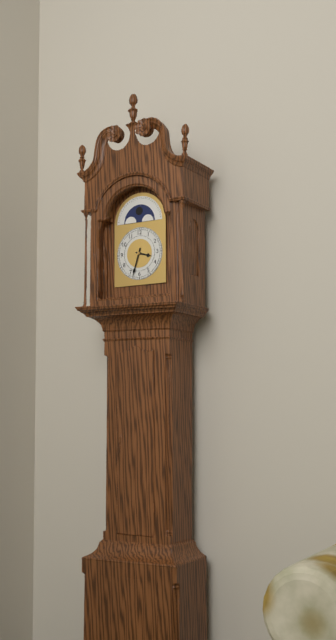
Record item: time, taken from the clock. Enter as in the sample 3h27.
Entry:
3h33
